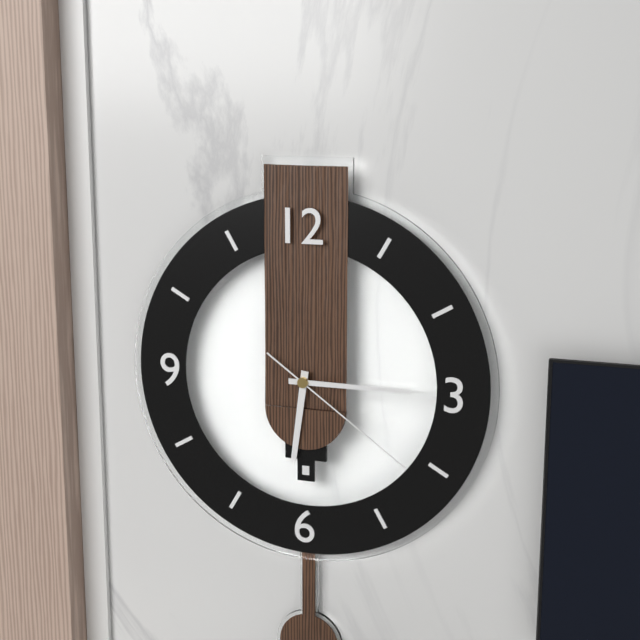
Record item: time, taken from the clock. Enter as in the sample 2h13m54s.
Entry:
6h15m21s
